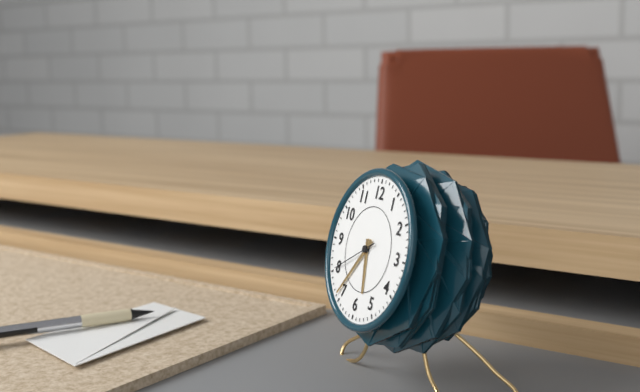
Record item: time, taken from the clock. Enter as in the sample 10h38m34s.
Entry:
5h36m40s
